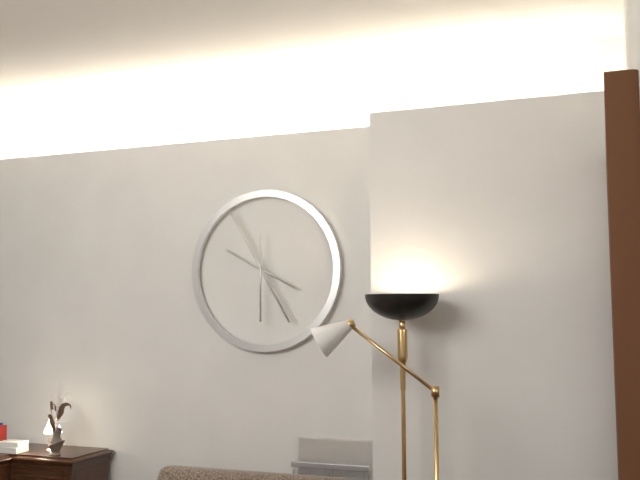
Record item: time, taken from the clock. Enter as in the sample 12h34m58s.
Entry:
9h55m30s
